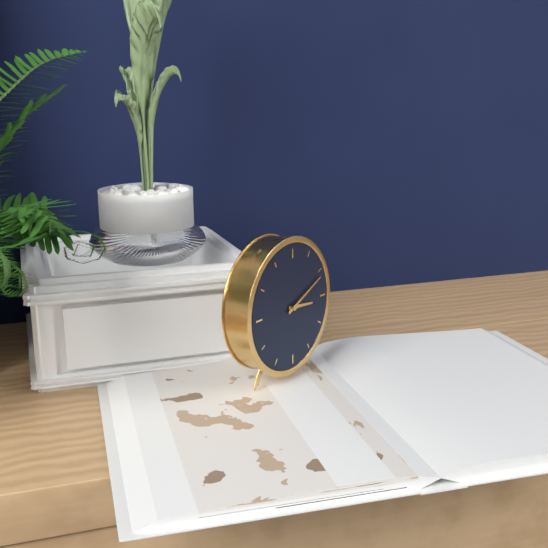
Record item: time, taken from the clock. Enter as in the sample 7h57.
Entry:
3h11
